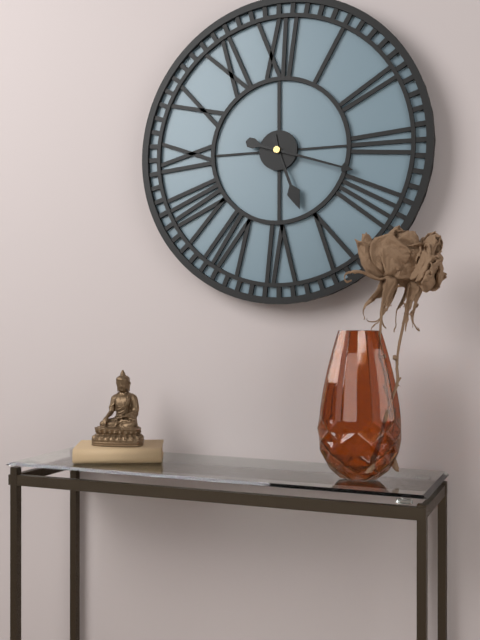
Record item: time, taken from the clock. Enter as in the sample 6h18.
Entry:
5h18
